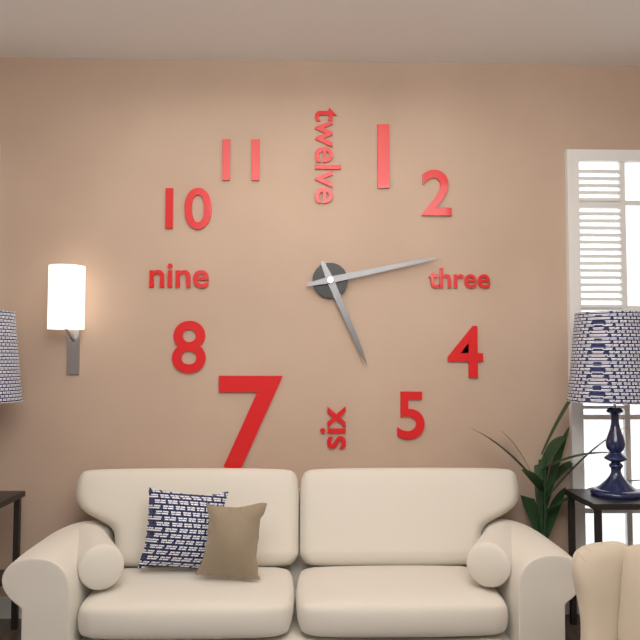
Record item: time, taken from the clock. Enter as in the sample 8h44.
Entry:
5h13
